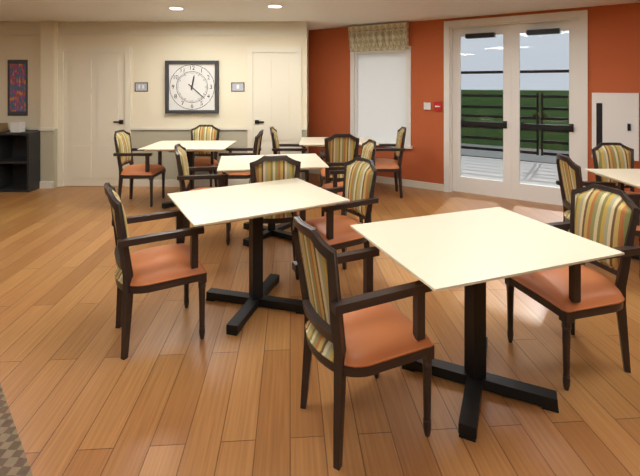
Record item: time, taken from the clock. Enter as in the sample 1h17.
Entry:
12h22
